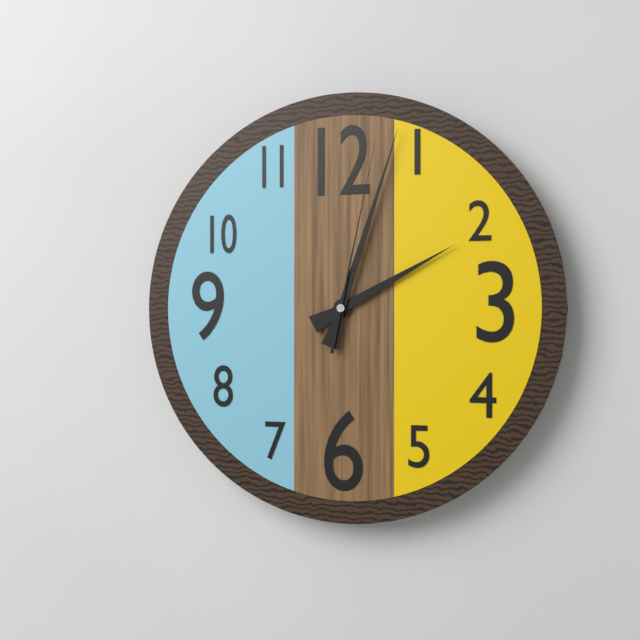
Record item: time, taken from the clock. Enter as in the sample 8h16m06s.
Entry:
2h03m02s
